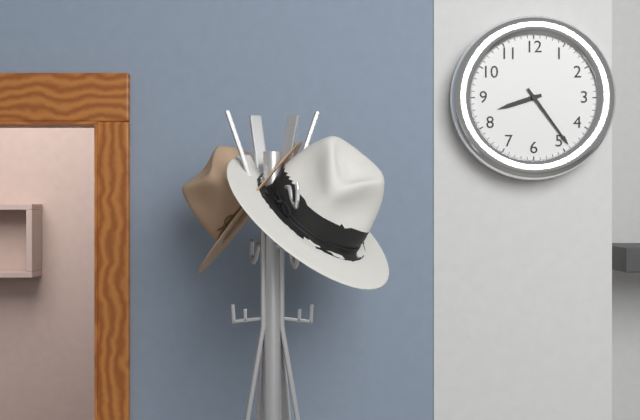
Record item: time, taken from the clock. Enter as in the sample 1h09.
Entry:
8h24
